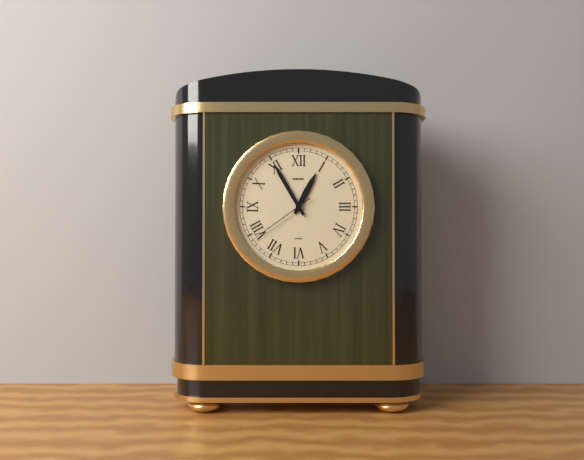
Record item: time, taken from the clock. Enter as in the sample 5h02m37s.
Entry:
12h55m39s
